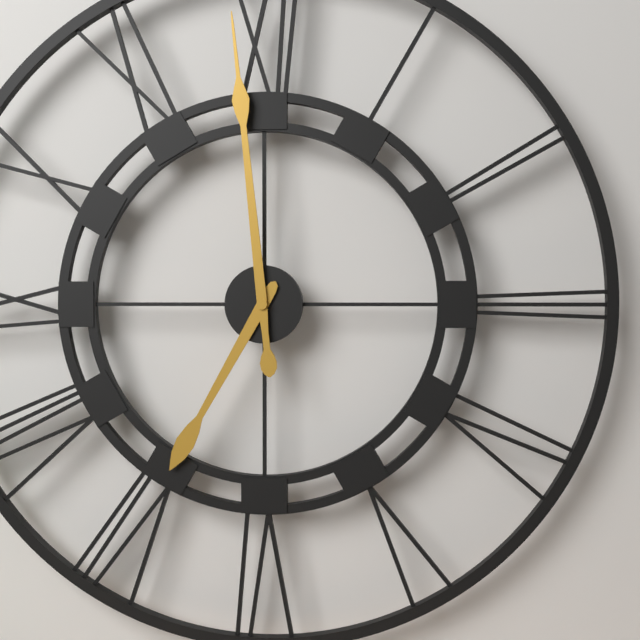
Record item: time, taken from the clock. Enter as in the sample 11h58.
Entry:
6h59
